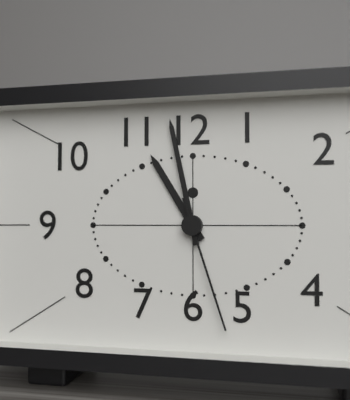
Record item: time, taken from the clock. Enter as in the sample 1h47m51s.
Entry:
10h58m27s
